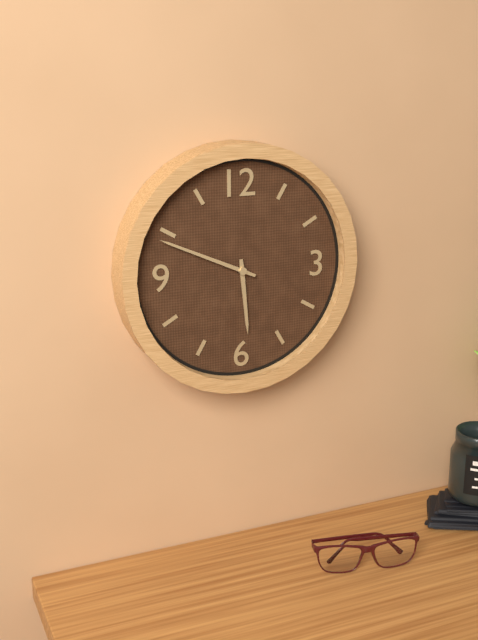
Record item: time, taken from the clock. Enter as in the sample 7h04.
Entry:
5h49
